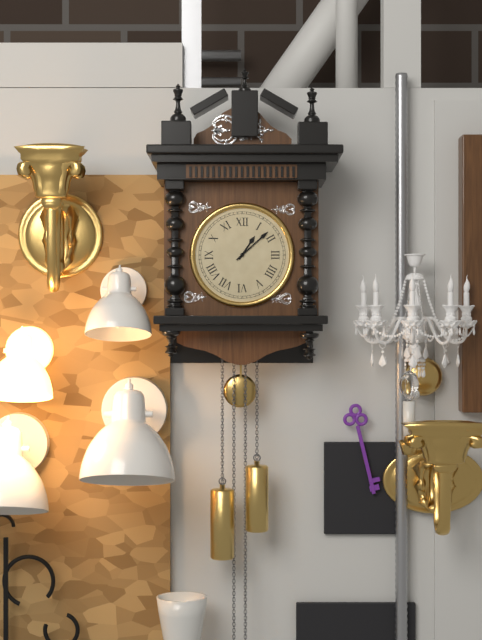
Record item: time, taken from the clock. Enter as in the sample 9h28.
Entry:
1h08
